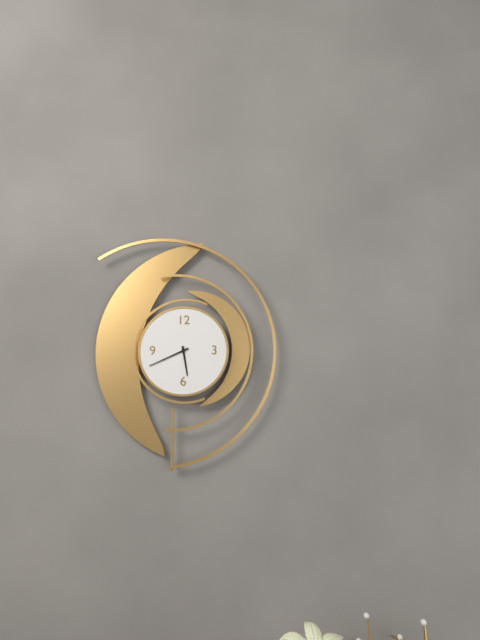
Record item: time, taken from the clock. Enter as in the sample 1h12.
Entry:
5h41
